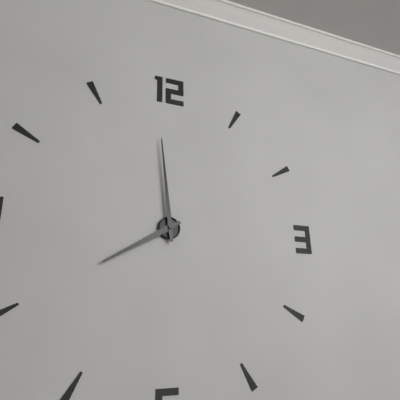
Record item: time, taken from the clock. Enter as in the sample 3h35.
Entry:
7h59
